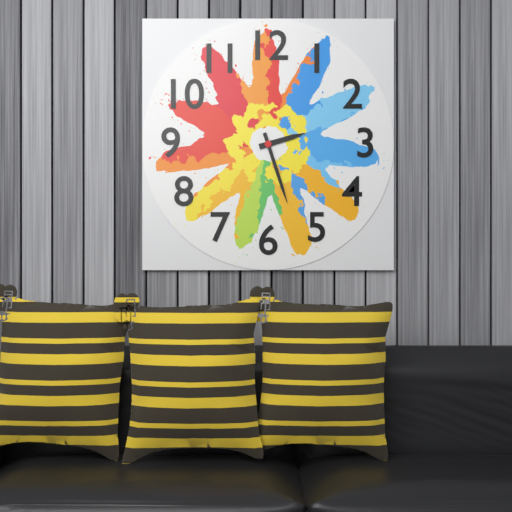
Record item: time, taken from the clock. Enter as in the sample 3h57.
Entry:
2h27
